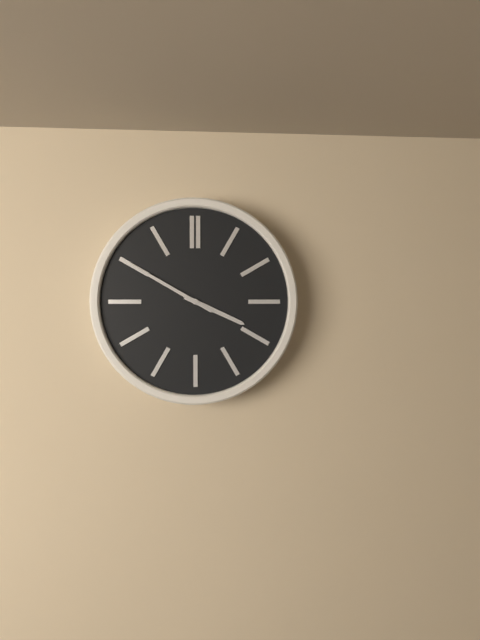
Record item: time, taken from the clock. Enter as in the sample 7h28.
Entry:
3h50
